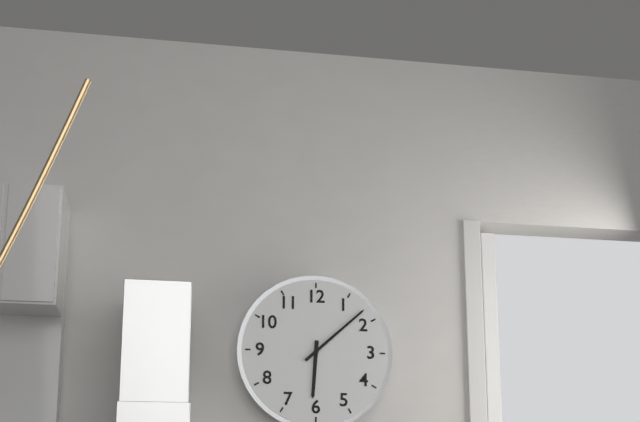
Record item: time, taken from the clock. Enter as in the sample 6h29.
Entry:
6h08
